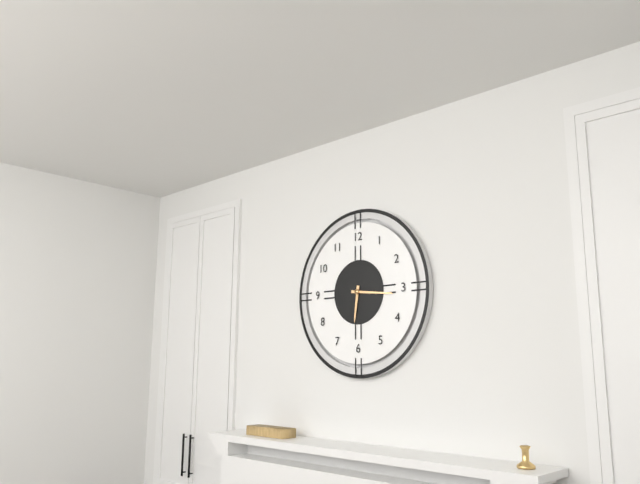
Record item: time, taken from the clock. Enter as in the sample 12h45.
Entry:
6h16
